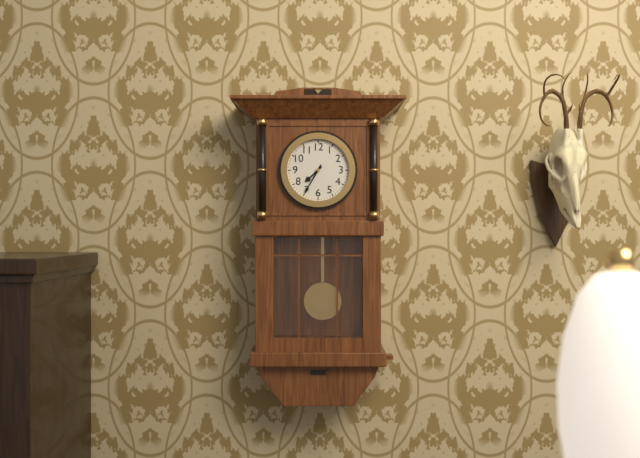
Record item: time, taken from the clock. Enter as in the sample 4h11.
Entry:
7h35
